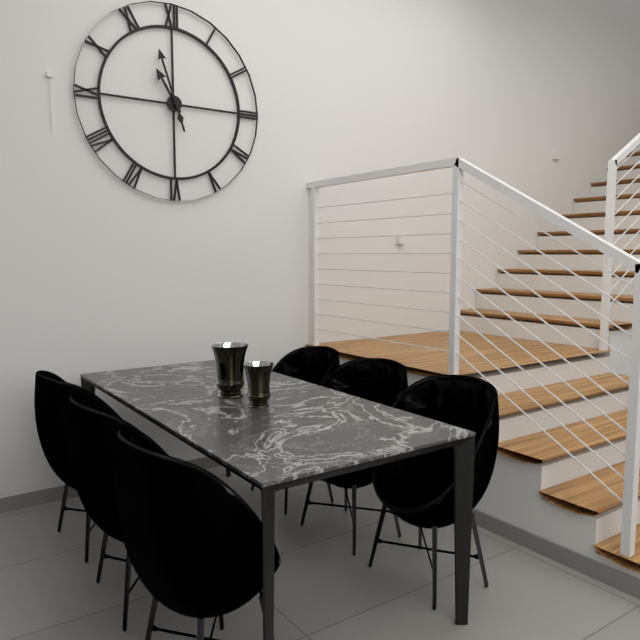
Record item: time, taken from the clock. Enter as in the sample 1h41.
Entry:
10h57
